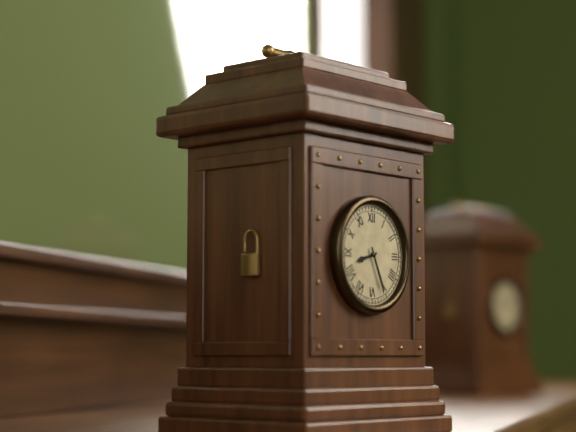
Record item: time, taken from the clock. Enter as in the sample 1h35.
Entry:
8h26
